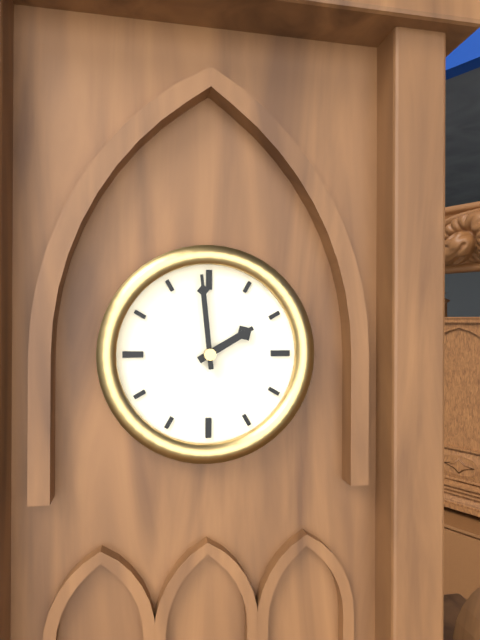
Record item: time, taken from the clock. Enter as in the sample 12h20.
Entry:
1h59
